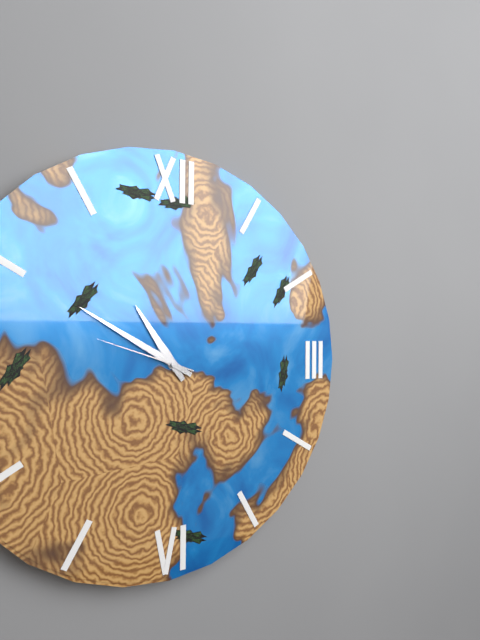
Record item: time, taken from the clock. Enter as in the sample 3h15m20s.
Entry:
10h50m48s
